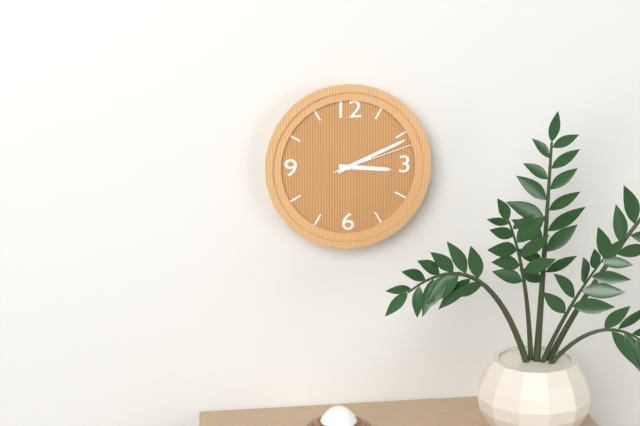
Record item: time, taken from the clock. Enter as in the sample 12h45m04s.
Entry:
3h11m12s
